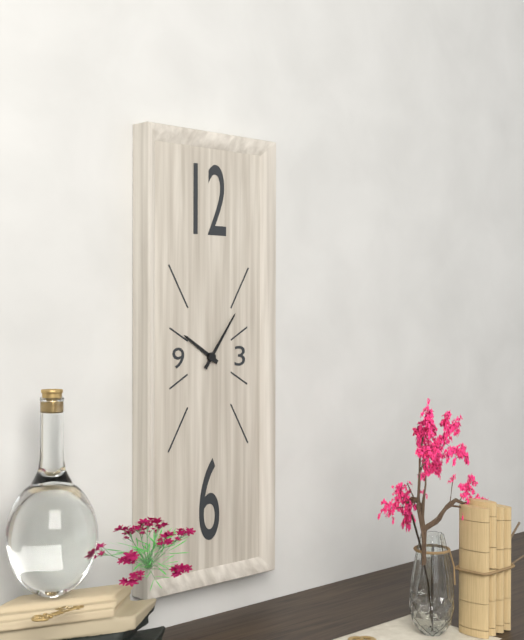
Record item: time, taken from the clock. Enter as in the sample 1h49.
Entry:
10h06
